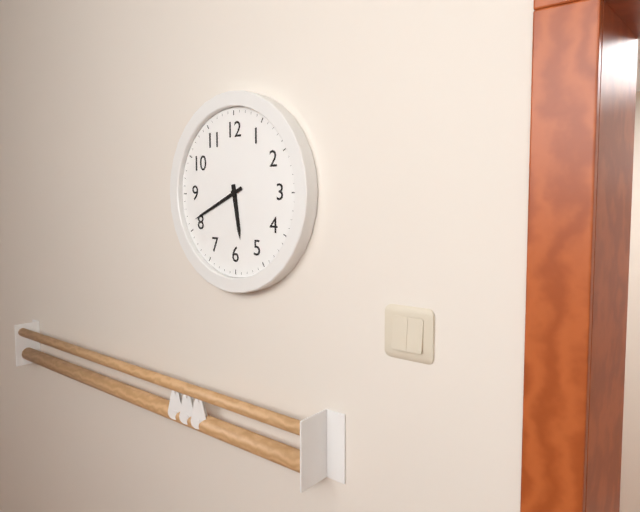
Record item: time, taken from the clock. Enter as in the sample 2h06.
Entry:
5h41
